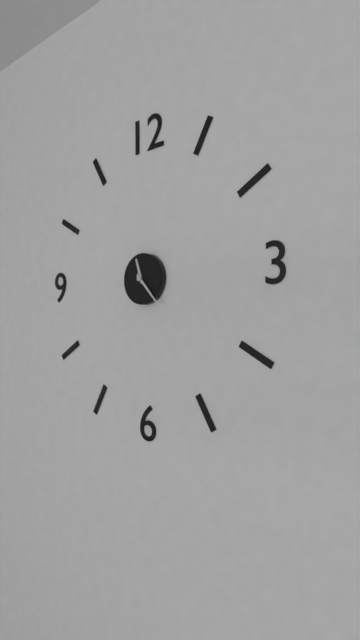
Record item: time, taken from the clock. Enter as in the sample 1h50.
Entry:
11h23
